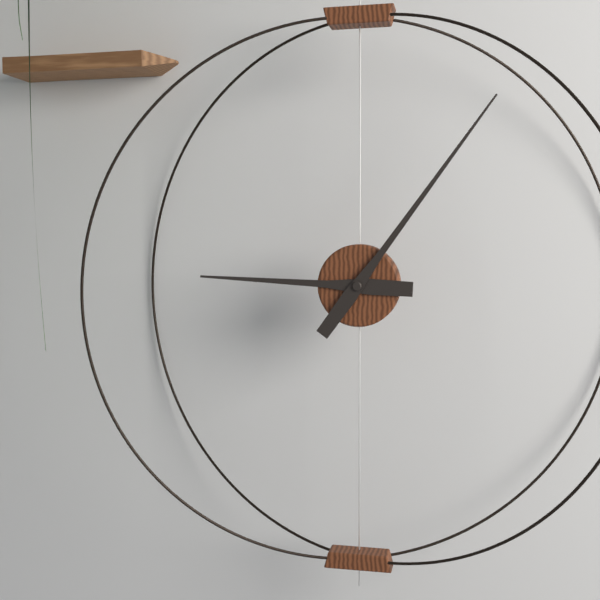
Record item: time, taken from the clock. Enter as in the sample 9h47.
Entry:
9h06
